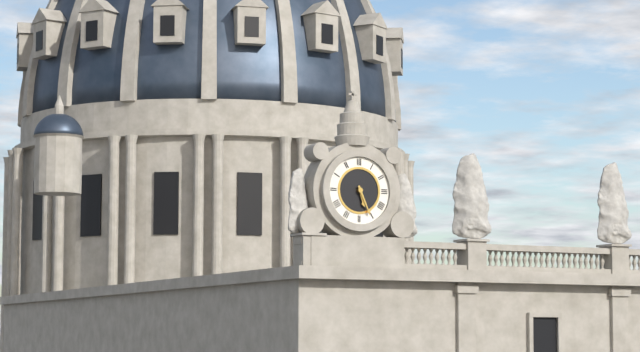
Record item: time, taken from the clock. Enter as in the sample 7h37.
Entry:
5h26
